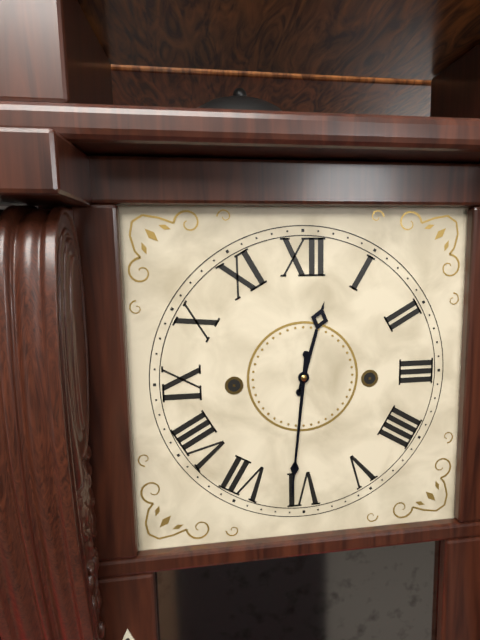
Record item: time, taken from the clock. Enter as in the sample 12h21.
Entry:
12h31
